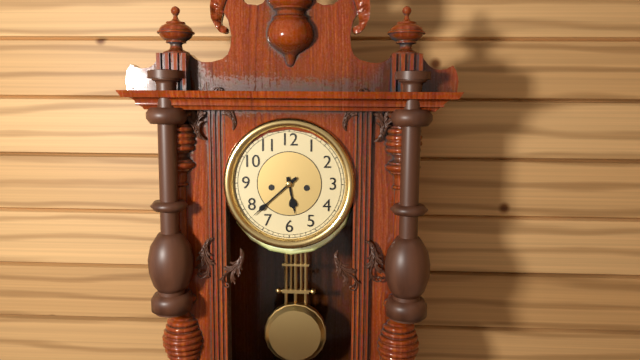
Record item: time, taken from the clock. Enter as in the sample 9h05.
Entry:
5h38
